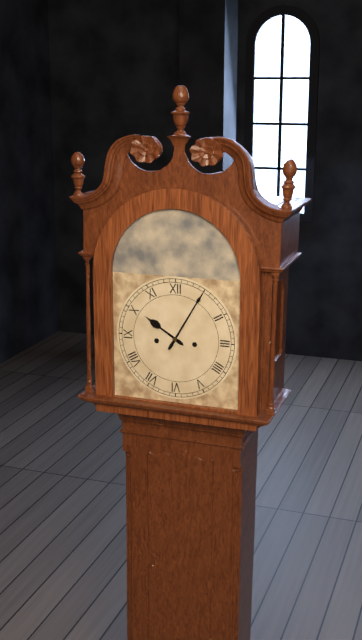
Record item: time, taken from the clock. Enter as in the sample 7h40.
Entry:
10h05
